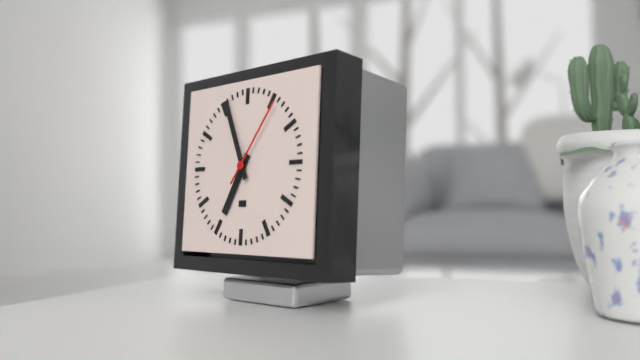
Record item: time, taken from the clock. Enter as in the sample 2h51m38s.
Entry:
6h56m06s
